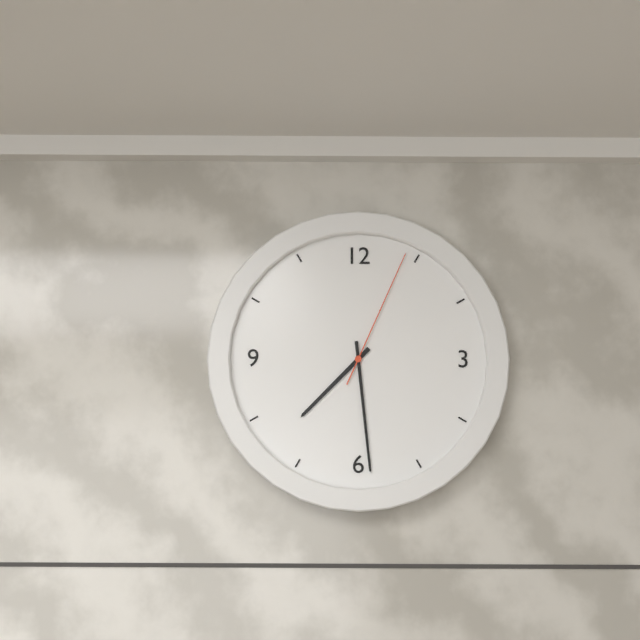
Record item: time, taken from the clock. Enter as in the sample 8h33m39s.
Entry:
7h29m04s
